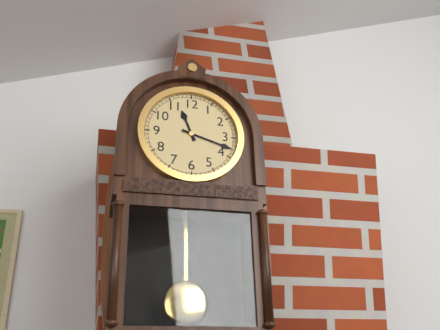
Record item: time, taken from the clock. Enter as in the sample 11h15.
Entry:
11h18
